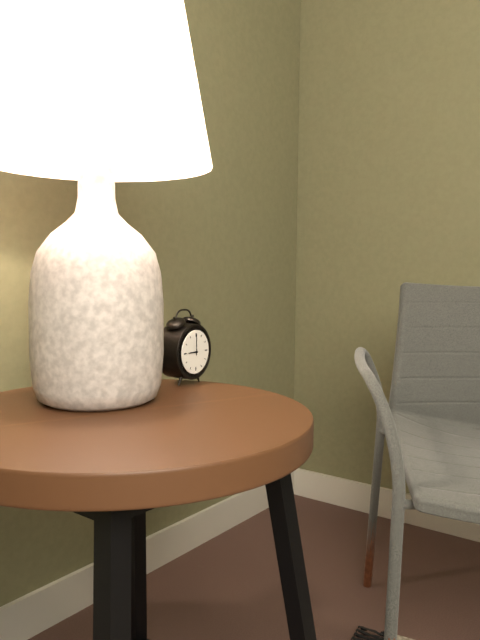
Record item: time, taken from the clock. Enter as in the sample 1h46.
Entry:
9h00
